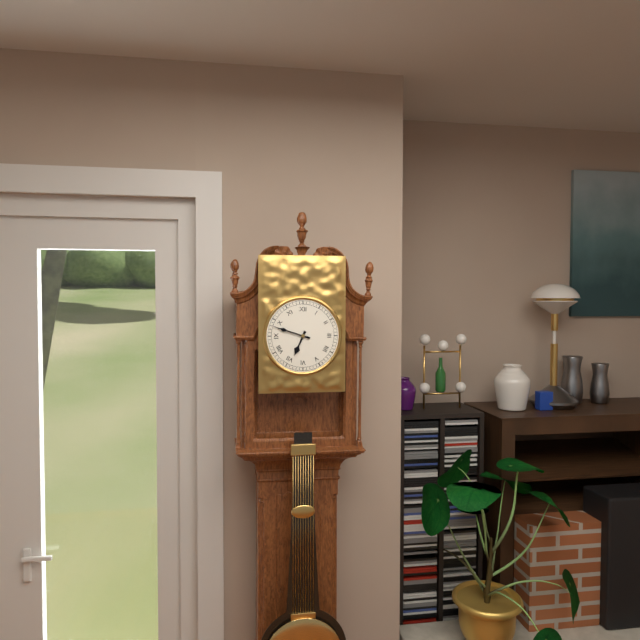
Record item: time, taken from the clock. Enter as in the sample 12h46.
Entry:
6h48
